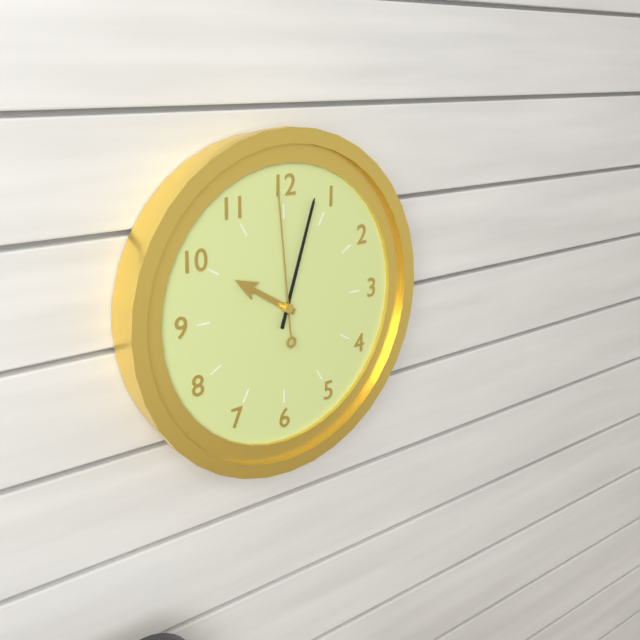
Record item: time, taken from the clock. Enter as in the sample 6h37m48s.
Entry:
10h03m59s
